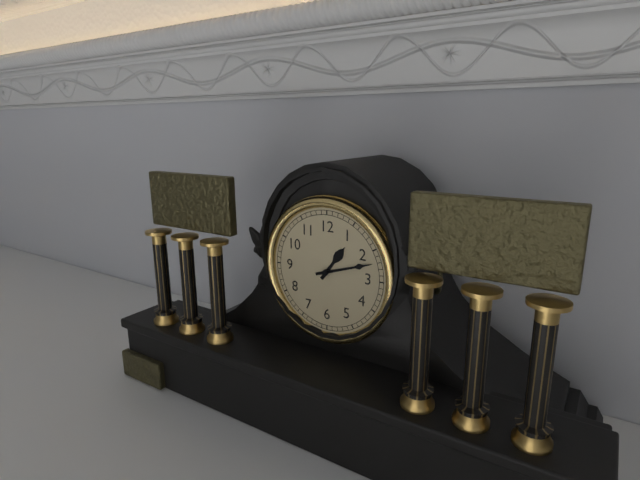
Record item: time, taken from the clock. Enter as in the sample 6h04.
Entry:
1h12
